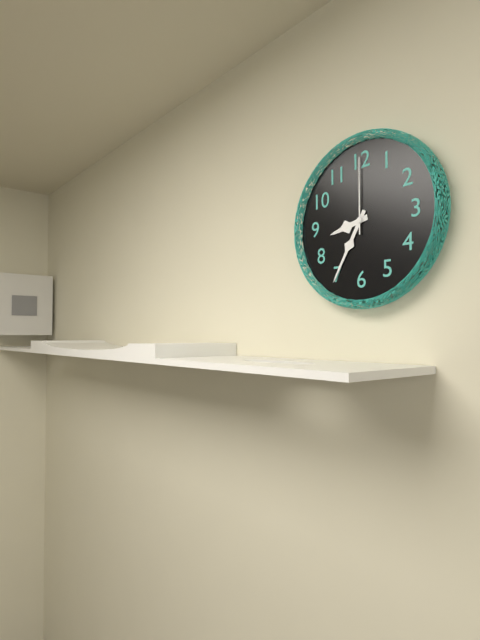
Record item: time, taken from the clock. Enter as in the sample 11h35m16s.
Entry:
8h35m00s
